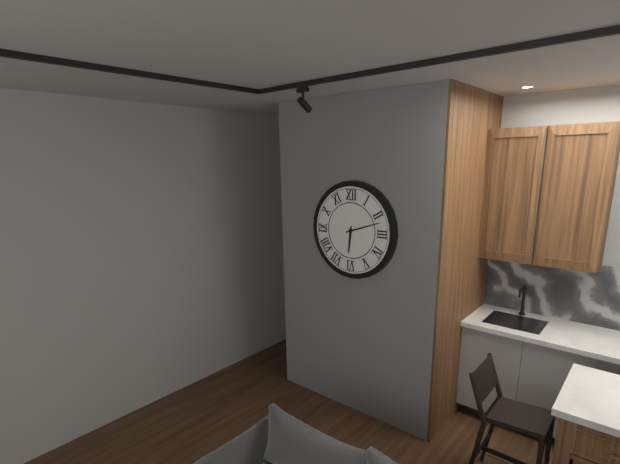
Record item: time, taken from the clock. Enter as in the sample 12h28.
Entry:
6h12
